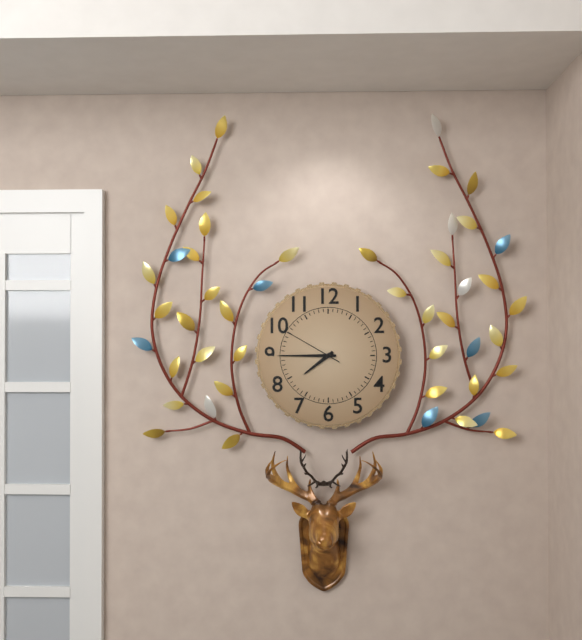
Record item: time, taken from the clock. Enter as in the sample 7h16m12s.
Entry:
7h45m50s
